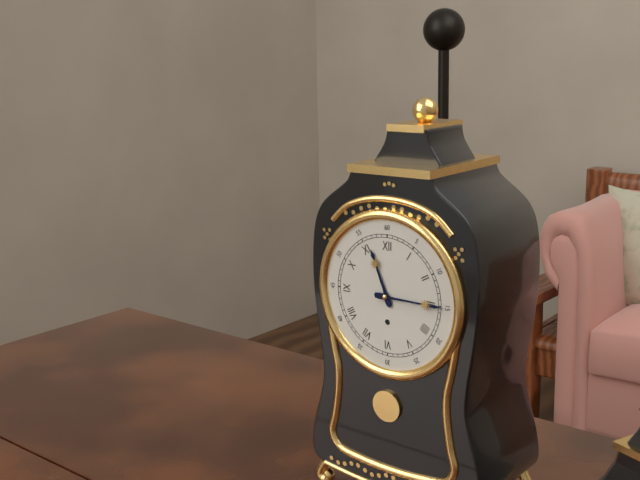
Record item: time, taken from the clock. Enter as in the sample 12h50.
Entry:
11h15
